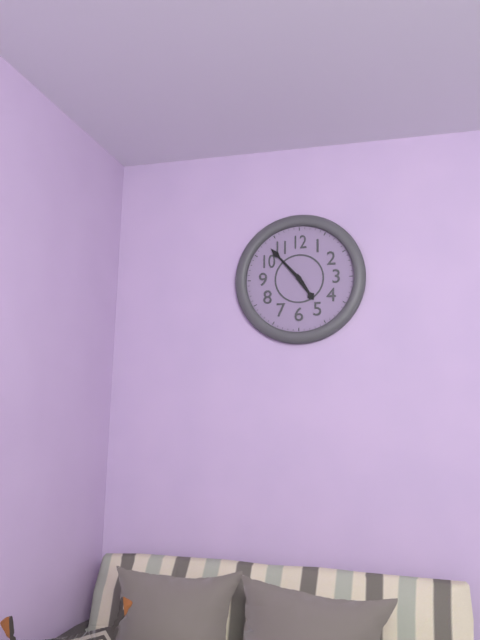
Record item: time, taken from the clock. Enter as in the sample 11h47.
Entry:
4h53
